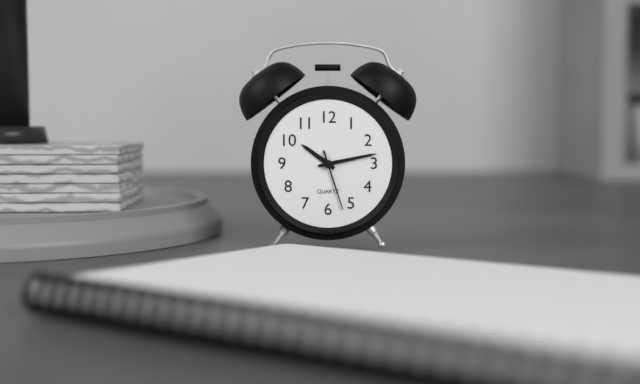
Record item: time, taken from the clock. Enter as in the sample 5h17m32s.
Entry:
10h13m27s
